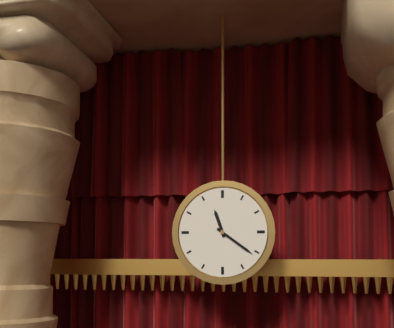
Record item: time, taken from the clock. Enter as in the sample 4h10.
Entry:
11h21
